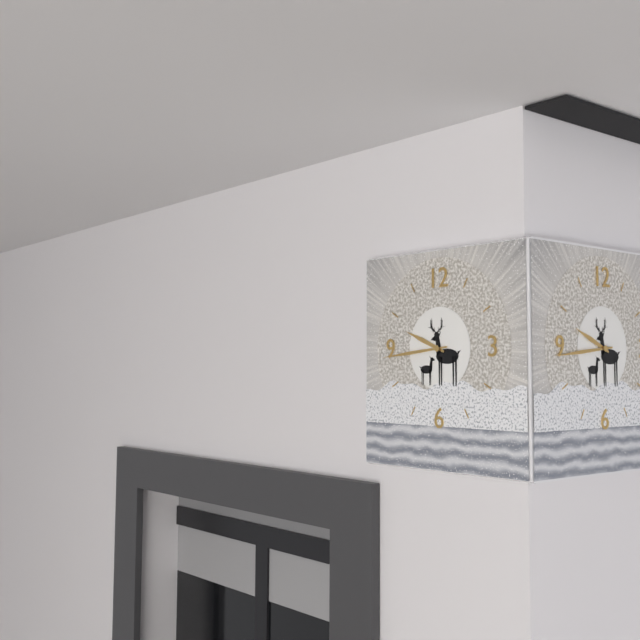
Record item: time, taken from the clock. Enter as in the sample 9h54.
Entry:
9h44
